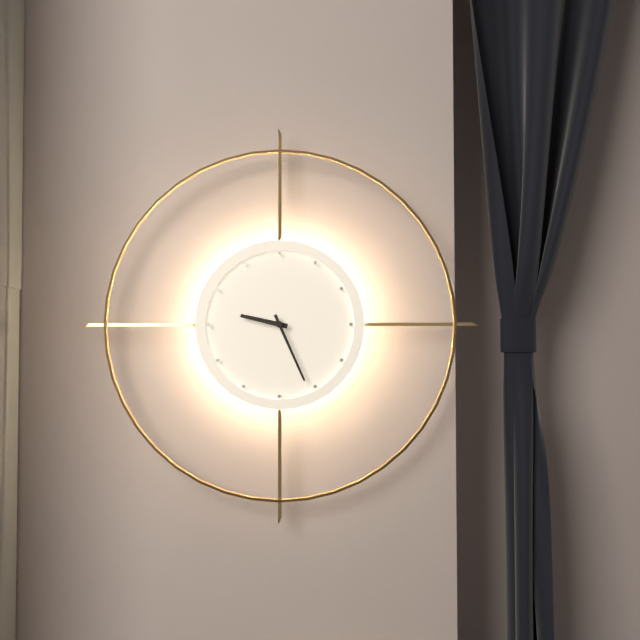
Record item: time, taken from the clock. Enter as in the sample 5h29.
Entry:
9h26
